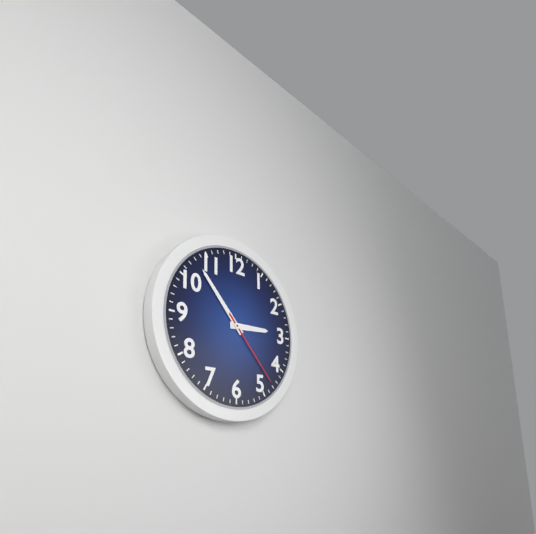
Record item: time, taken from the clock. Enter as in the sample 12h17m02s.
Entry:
2h53m23s
